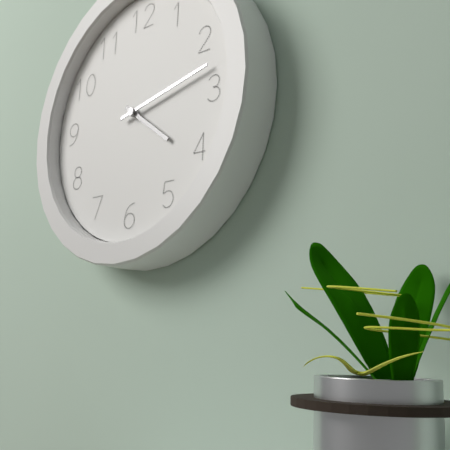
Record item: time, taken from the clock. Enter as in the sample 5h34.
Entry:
4h13
